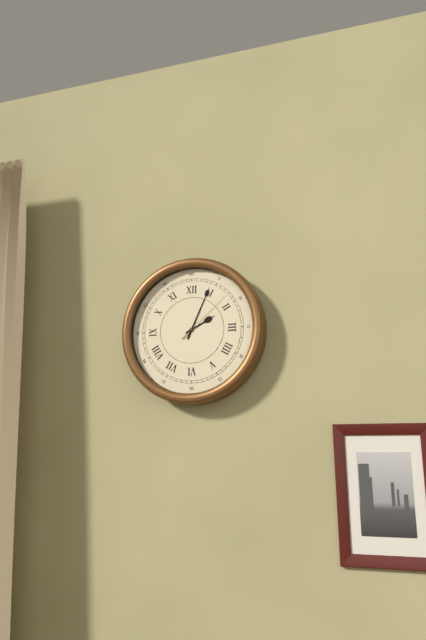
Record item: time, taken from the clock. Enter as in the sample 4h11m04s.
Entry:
2h04m08s
